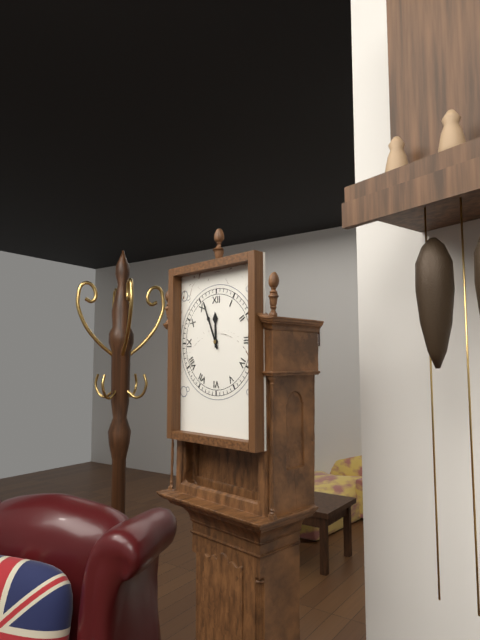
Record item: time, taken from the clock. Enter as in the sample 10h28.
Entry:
11h56
